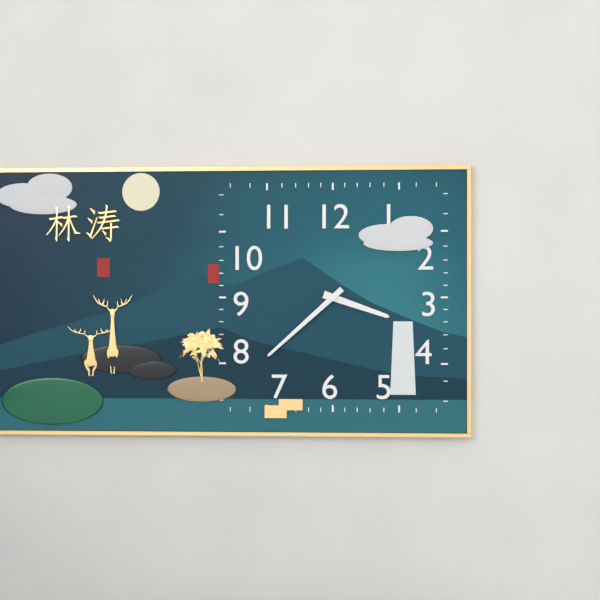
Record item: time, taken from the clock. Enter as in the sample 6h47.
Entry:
3h38
